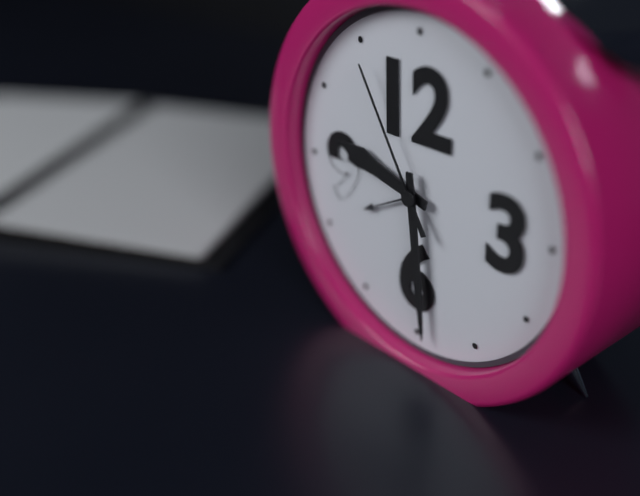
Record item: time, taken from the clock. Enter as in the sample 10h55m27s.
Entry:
9h29m55s
